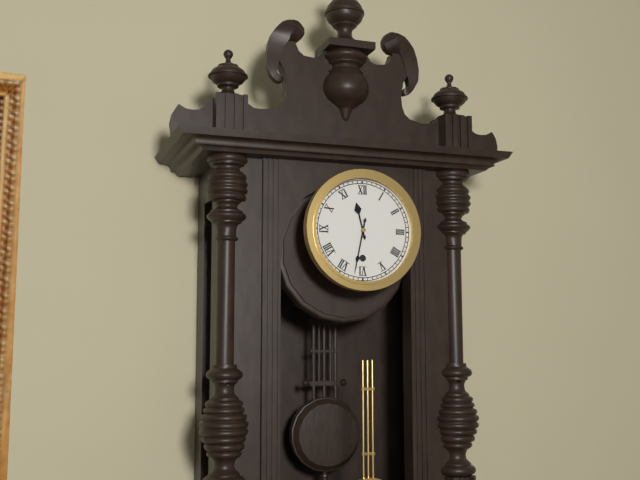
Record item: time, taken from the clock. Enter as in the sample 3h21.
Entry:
11h32
